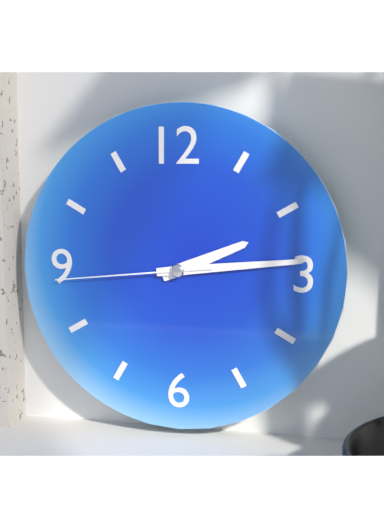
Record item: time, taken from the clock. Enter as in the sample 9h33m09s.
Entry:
2h14m44s
